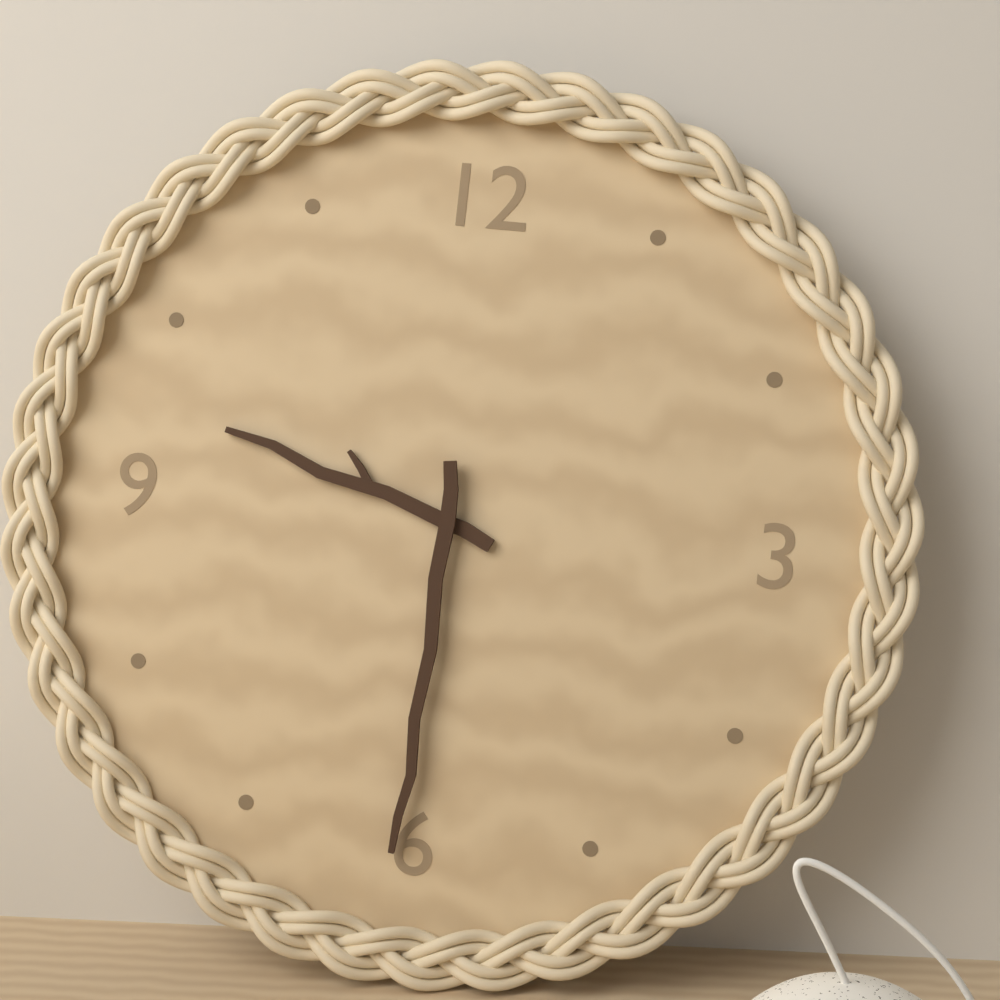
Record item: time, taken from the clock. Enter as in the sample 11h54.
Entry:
9h30
